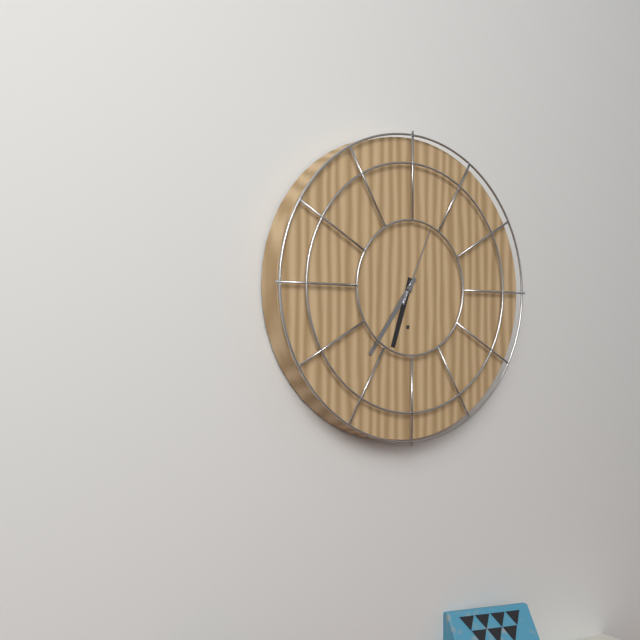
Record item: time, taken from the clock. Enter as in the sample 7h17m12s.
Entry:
6h36m04s
